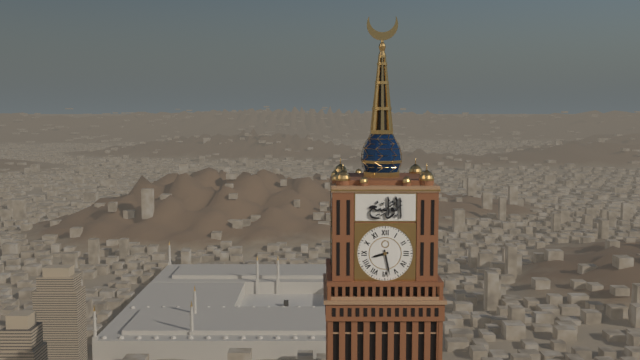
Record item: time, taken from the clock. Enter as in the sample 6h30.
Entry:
8h28
